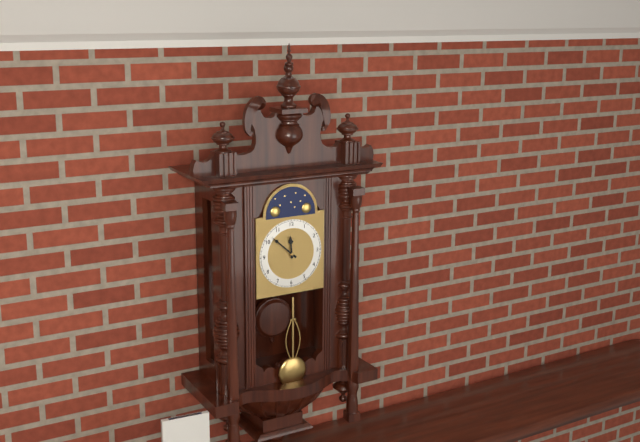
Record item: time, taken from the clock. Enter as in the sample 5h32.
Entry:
11h52
